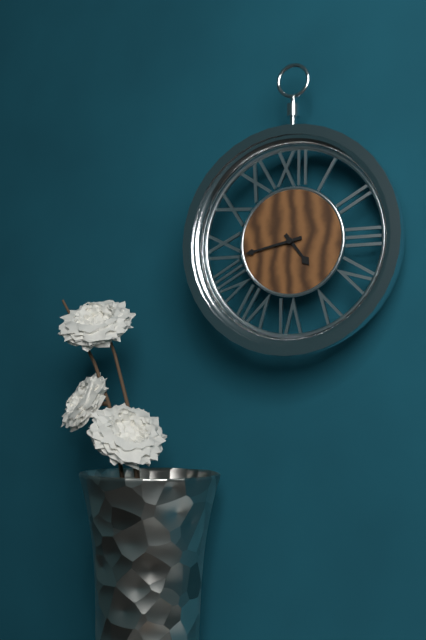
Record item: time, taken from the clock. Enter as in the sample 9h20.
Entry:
4h43
